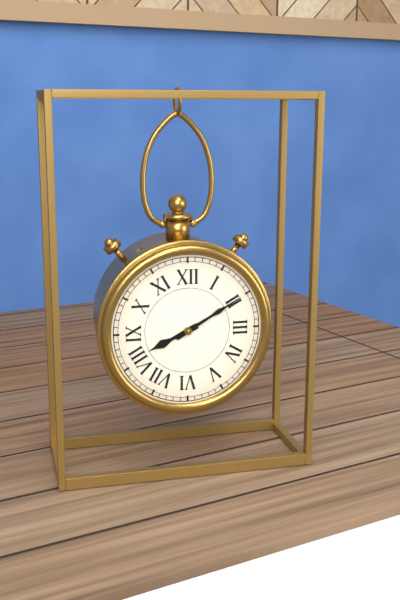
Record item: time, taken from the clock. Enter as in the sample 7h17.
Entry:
8h10
